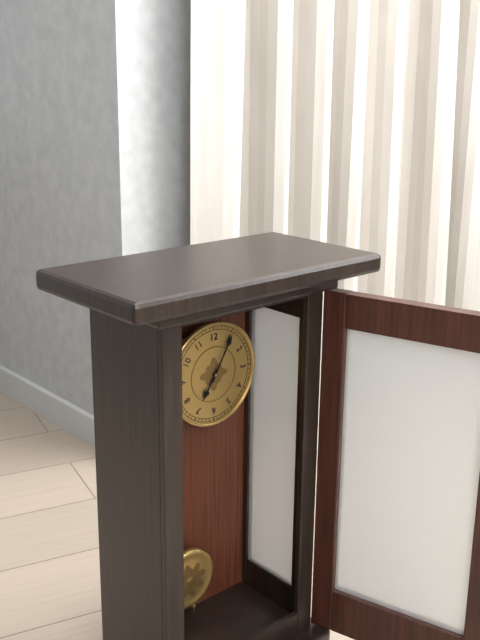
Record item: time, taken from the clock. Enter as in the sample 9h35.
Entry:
7h05
